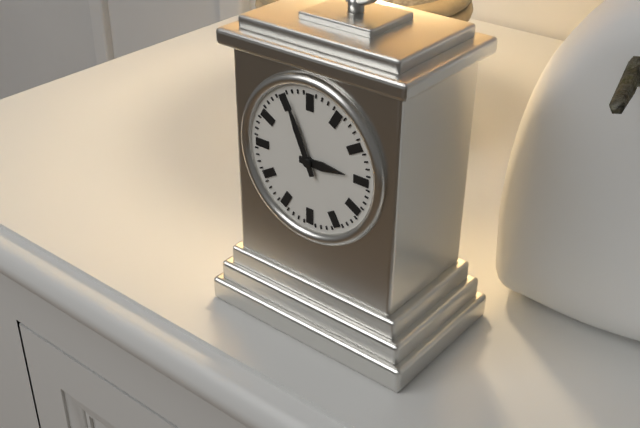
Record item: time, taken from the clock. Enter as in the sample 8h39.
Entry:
2h56
